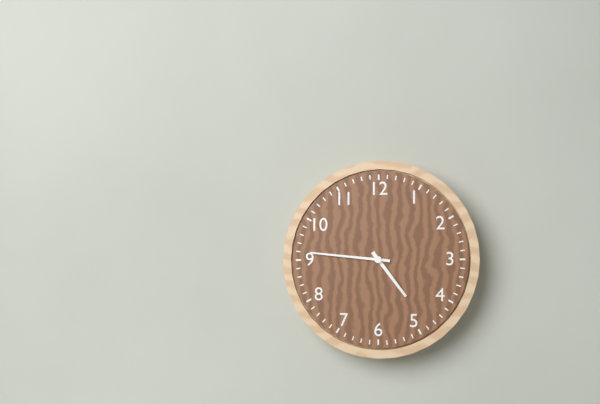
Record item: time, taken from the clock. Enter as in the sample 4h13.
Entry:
4h46
